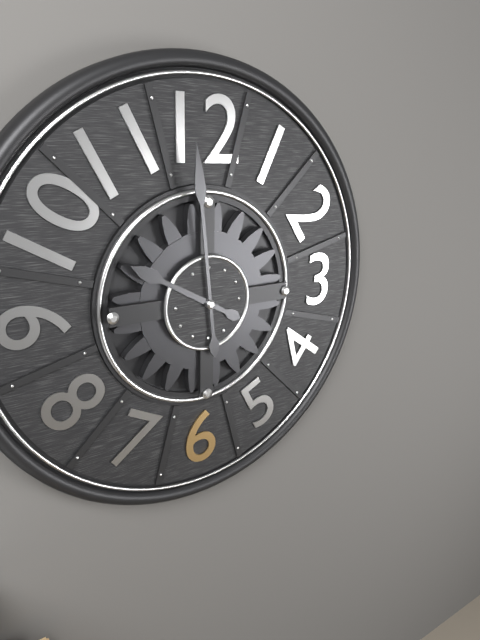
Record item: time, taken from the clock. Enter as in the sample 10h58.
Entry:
9h59
